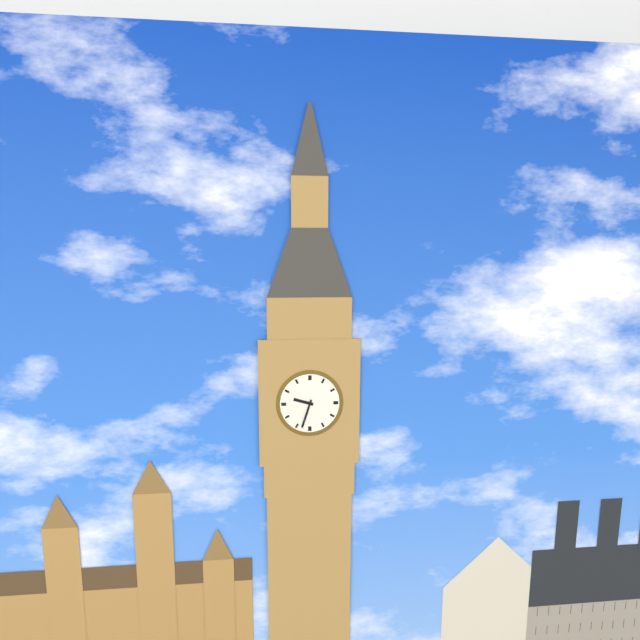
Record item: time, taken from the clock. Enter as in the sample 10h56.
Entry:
9h33
